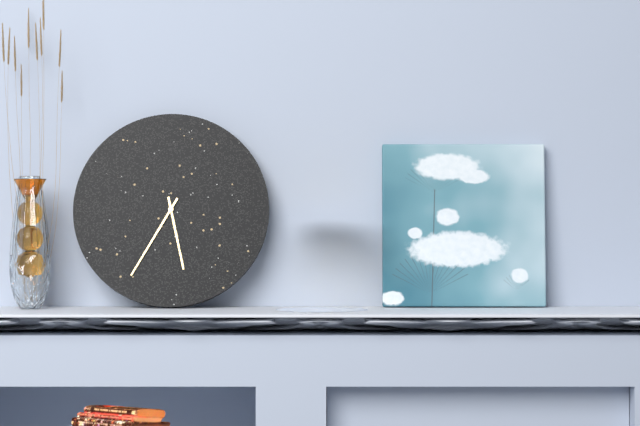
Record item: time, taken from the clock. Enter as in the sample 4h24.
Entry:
5h35
